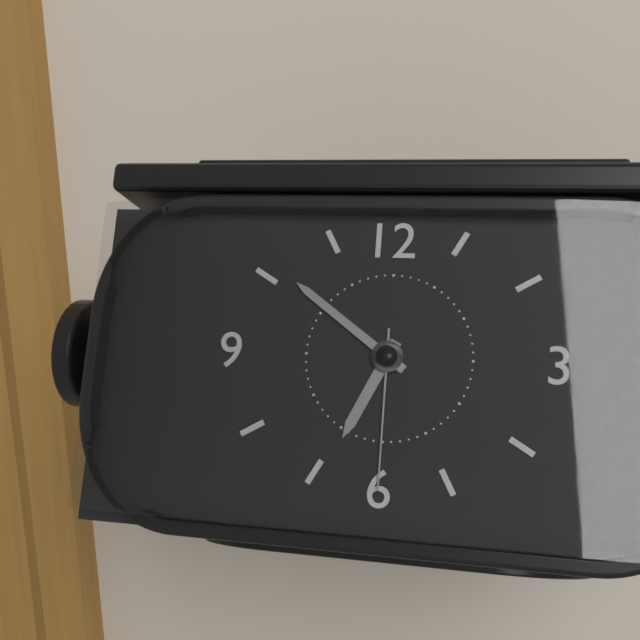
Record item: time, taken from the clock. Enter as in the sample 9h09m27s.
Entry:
6h51m30s
